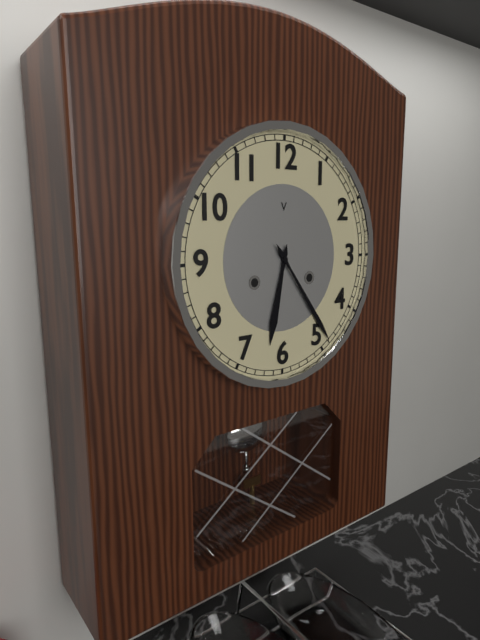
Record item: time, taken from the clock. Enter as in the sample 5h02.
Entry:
6h24
